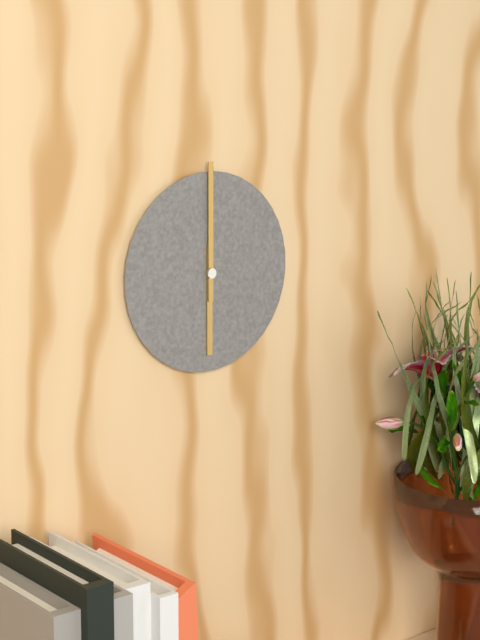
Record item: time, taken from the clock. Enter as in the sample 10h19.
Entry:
6h00
